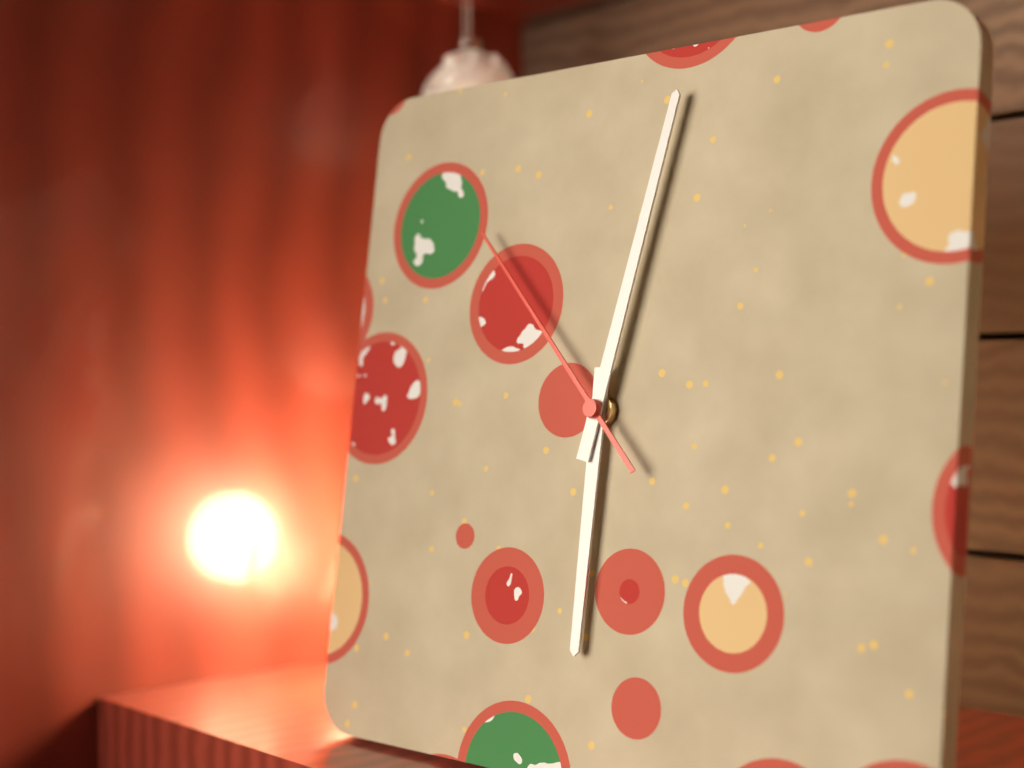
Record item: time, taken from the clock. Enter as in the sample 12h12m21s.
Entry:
6h02m53s
